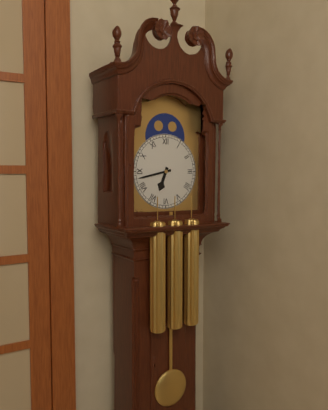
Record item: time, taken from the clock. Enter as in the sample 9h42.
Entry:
6h43
